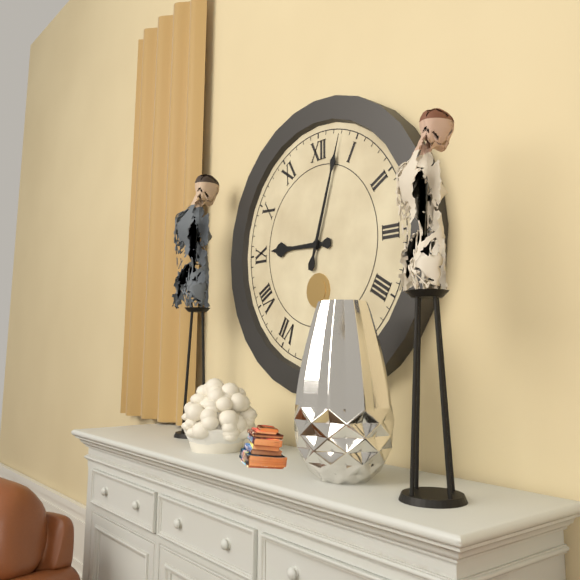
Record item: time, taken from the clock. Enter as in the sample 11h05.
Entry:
9h03
